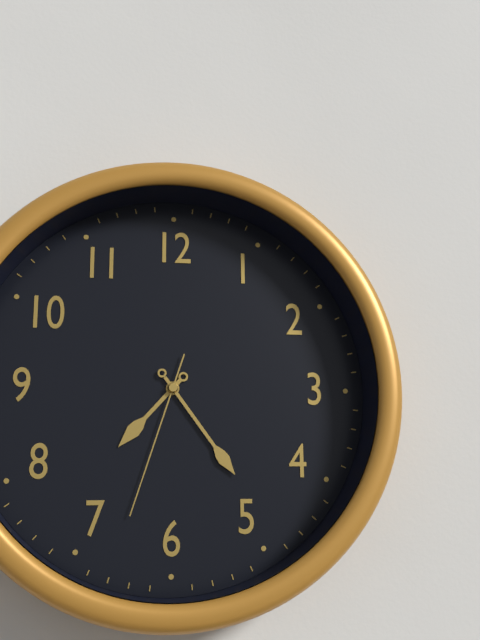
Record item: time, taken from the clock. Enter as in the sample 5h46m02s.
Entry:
7h24m33s
